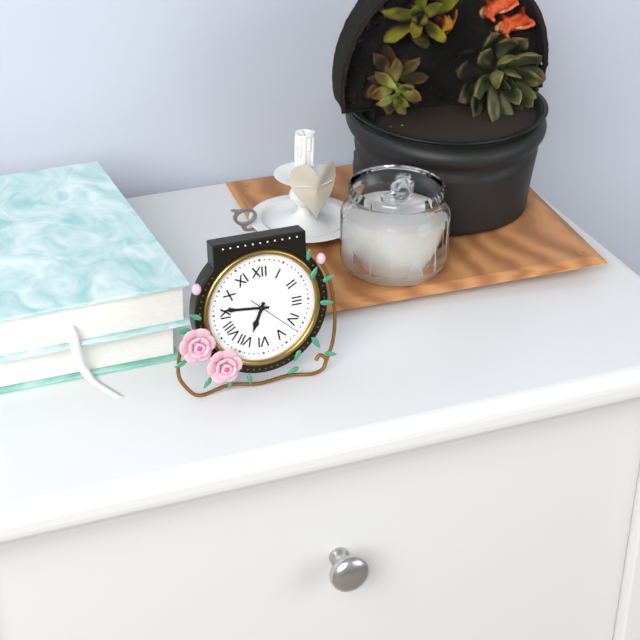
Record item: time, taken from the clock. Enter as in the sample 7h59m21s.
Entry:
6h46m22s
